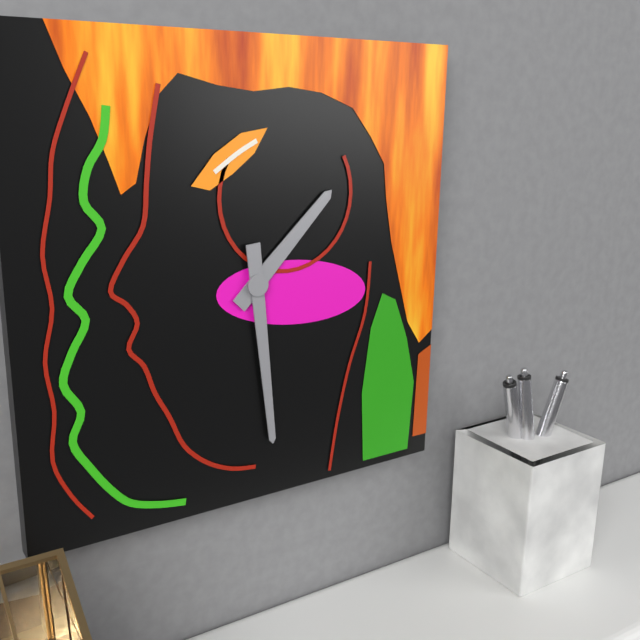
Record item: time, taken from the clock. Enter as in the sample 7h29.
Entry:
1h29
